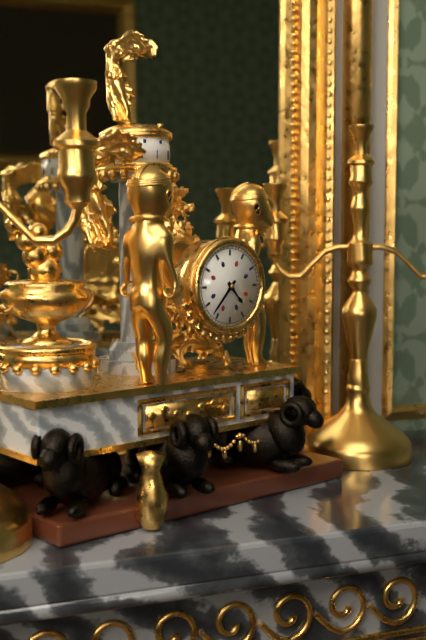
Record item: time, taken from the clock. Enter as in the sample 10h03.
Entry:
4h37
